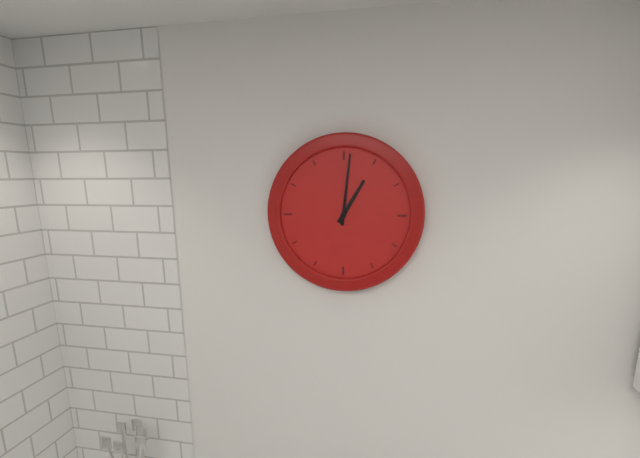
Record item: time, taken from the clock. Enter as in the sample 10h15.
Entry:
1h01
